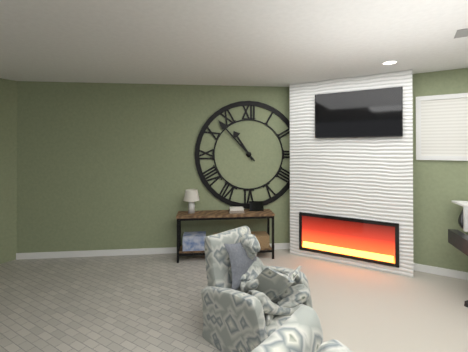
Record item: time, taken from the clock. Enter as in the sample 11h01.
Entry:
10h53
